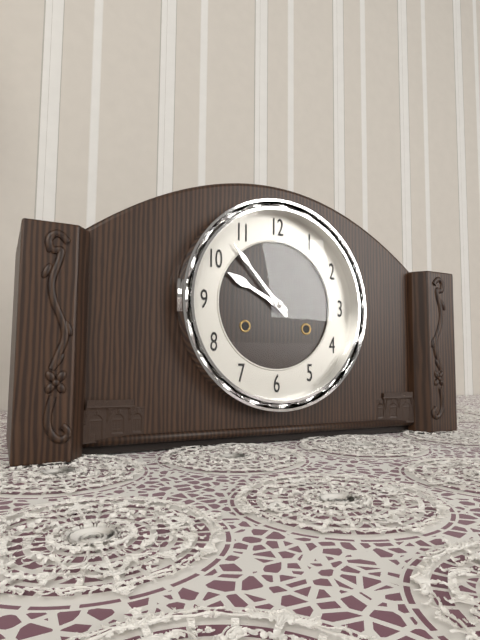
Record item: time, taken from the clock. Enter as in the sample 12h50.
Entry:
9h53
